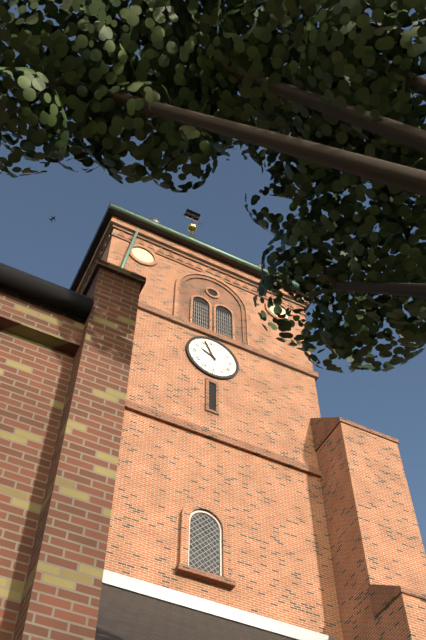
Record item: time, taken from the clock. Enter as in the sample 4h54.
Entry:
9h56
